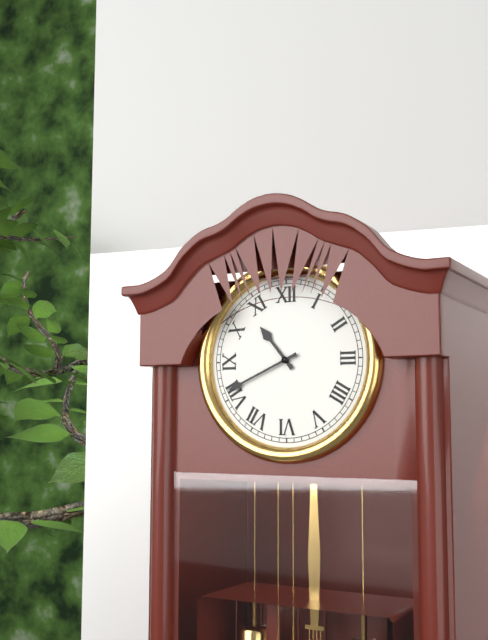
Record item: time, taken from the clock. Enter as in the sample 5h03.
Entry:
10h41
